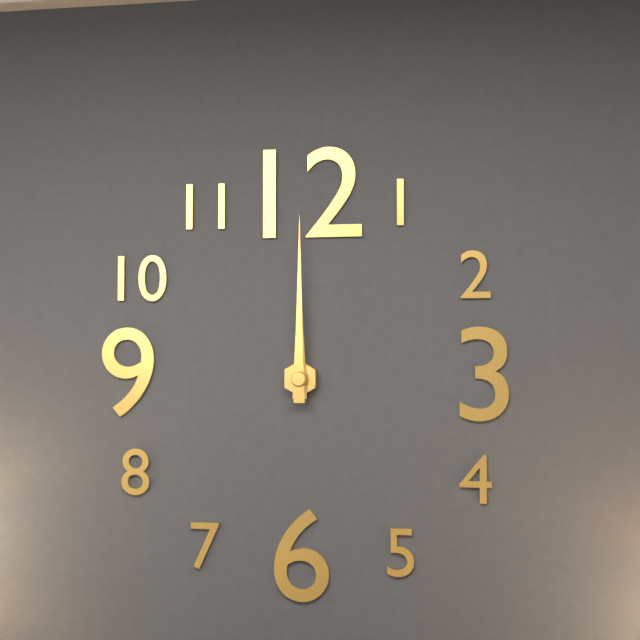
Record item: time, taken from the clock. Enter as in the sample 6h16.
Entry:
12h00
